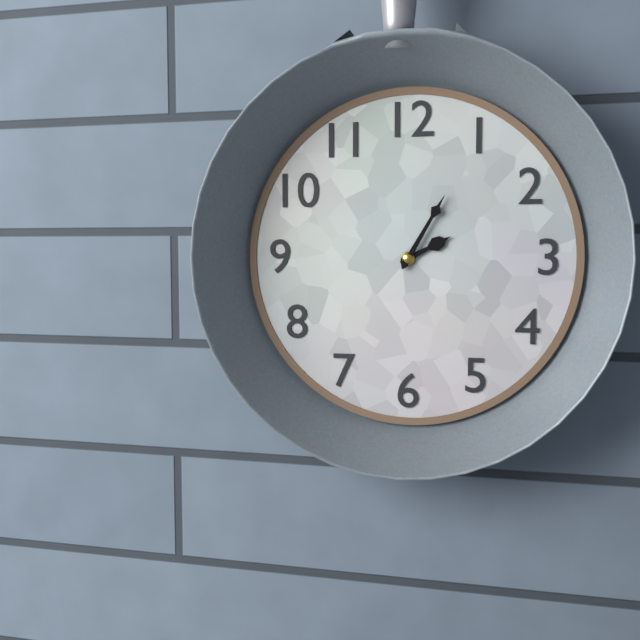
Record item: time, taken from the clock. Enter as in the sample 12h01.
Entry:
2h05
